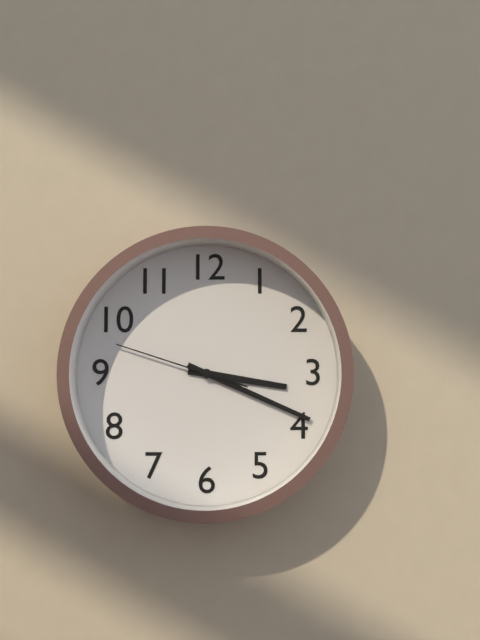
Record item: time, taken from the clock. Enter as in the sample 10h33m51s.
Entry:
3h19m48s
